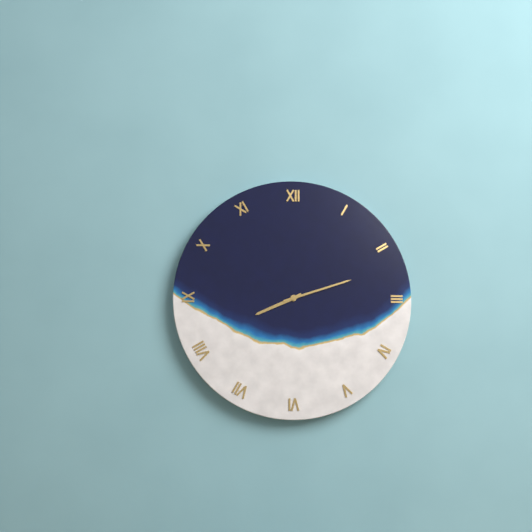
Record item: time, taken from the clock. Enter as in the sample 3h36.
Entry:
8h12
